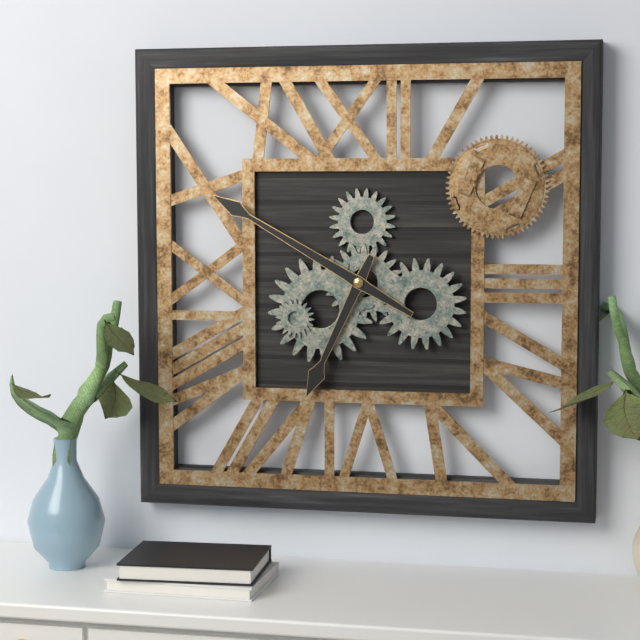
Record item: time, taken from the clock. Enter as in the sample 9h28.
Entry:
6h50
